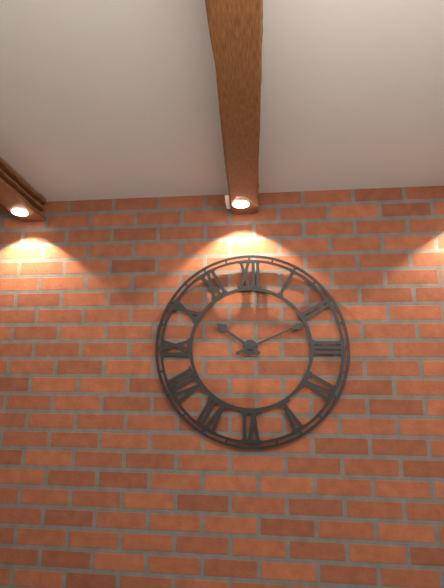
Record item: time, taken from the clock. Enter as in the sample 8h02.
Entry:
10h11
